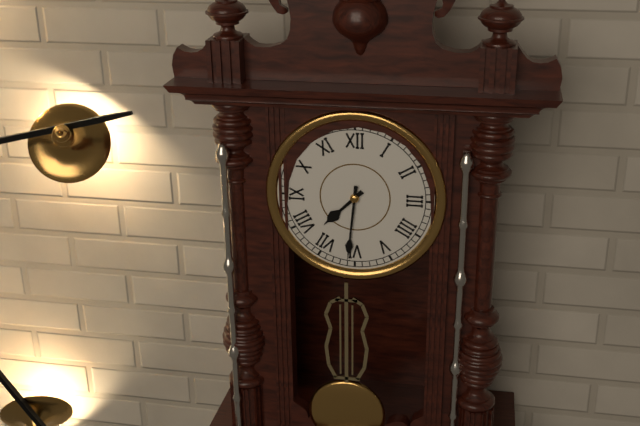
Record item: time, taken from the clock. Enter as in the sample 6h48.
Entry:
7h31
